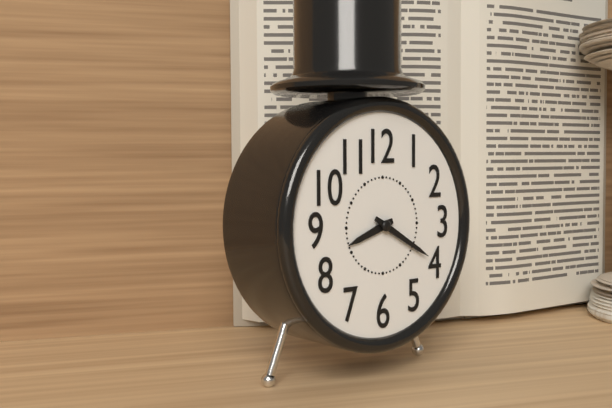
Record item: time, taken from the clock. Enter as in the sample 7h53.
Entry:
8h20
